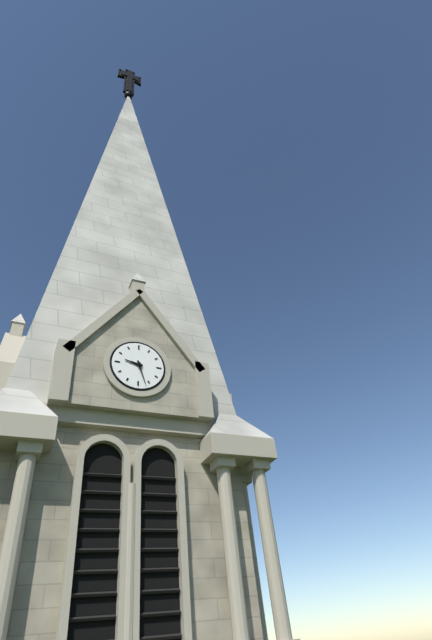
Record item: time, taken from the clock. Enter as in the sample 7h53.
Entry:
9h27
